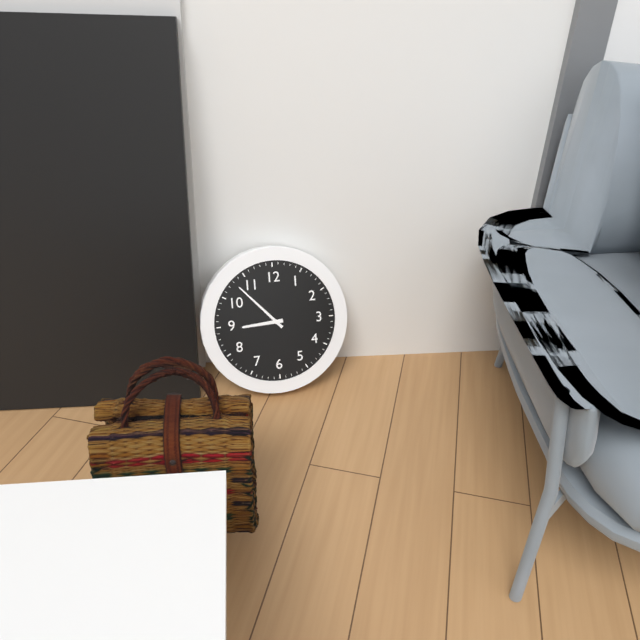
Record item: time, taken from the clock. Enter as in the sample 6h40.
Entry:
8h53
